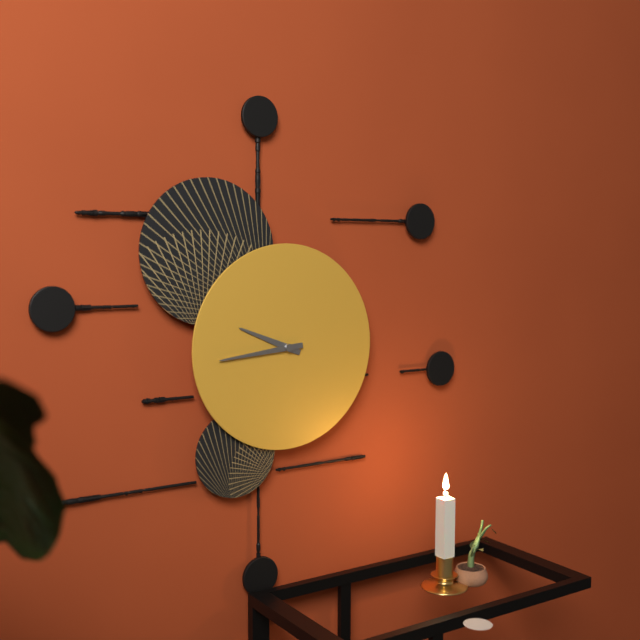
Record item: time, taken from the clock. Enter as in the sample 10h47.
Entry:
9h44
